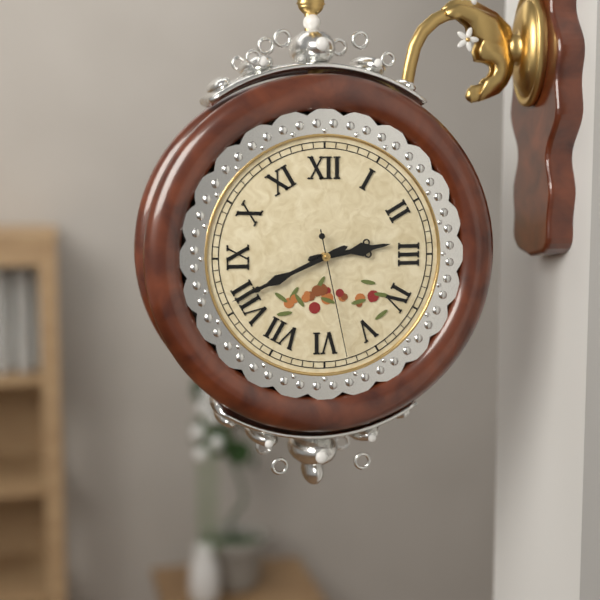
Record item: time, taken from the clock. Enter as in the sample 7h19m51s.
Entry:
2h41m28s
